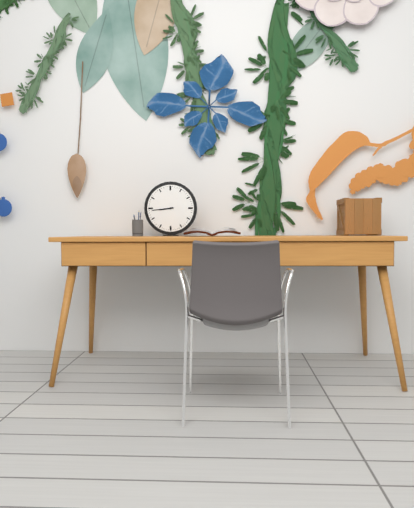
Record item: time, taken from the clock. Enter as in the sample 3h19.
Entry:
8h44
